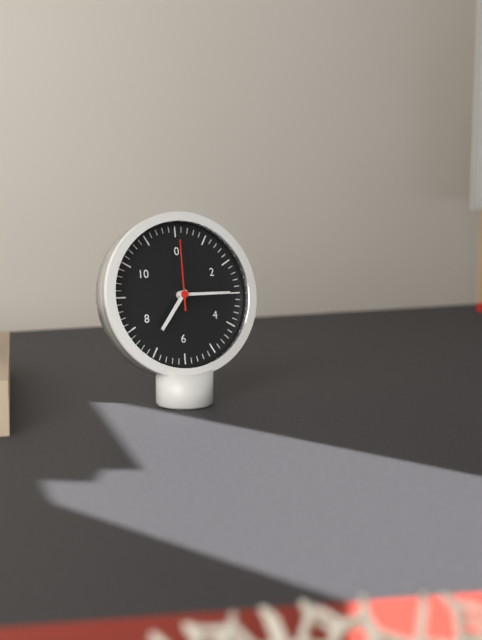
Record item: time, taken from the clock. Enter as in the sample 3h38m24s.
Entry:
7h15m00s
